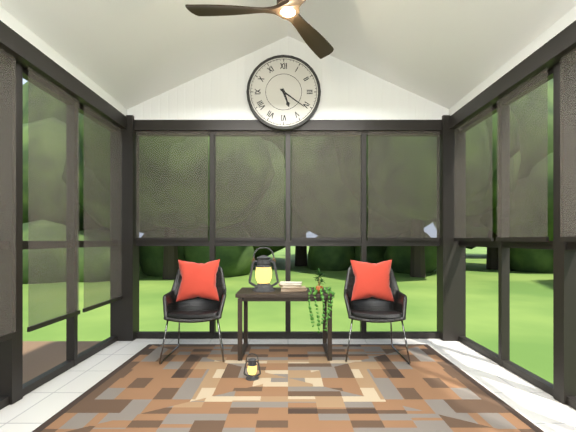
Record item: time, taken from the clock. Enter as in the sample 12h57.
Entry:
5h21
